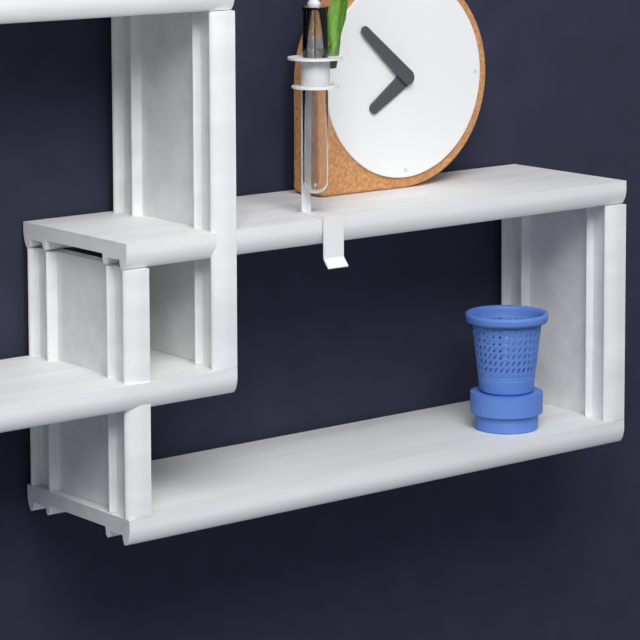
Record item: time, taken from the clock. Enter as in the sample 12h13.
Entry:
7h52
